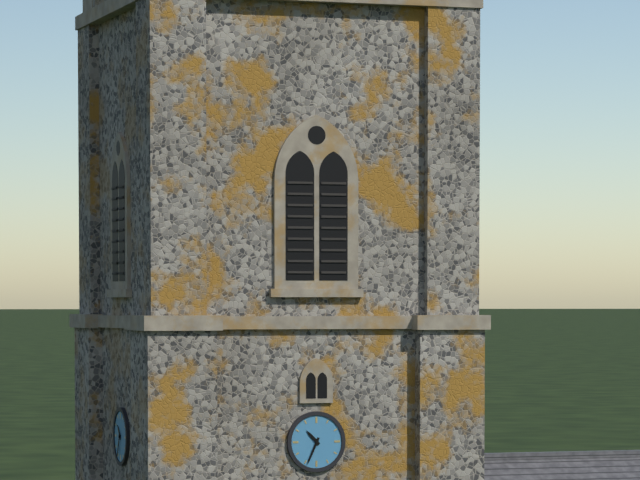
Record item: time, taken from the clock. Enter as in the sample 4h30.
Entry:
10h34
